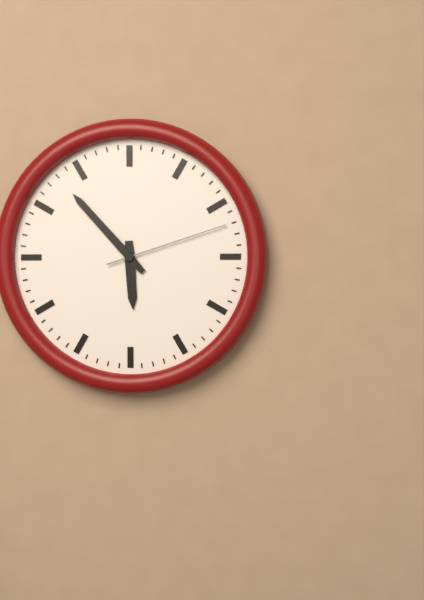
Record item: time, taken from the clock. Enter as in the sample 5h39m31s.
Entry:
5h53m12s
